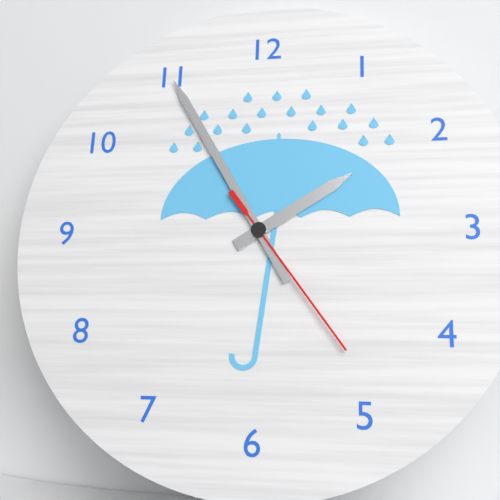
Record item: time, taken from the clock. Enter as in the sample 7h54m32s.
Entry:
1h55m24s
